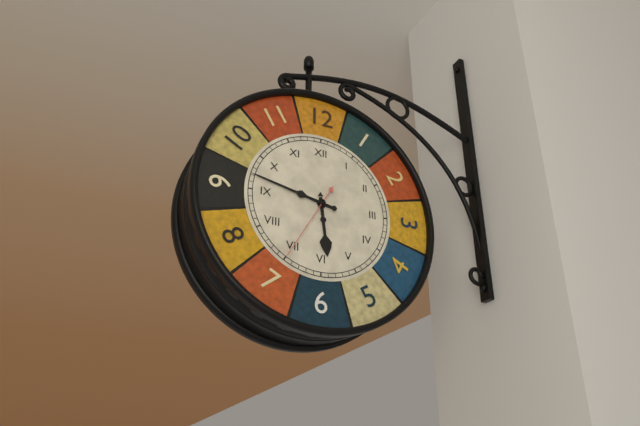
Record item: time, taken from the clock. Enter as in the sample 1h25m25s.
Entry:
5h47m35s
